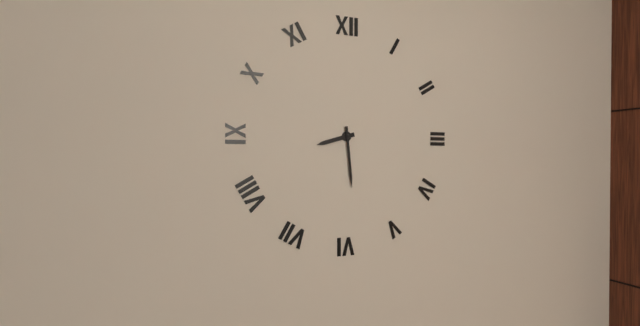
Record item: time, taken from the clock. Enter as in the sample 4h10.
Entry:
8h29
